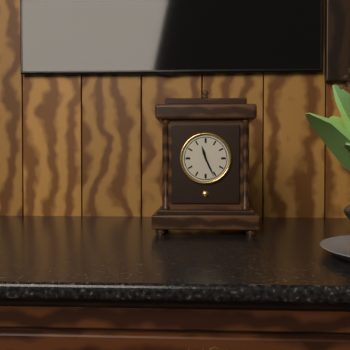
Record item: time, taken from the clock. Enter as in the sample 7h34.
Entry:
11h26
